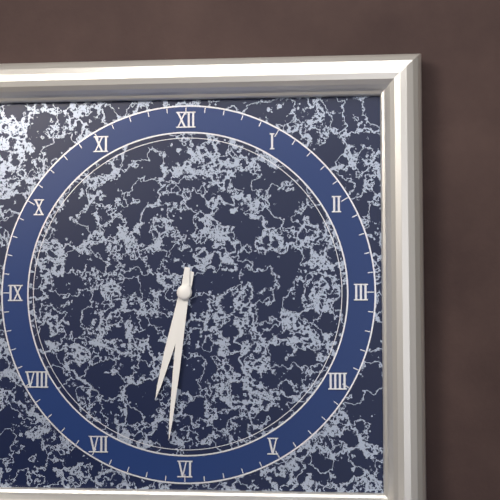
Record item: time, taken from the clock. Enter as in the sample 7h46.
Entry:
6h31
